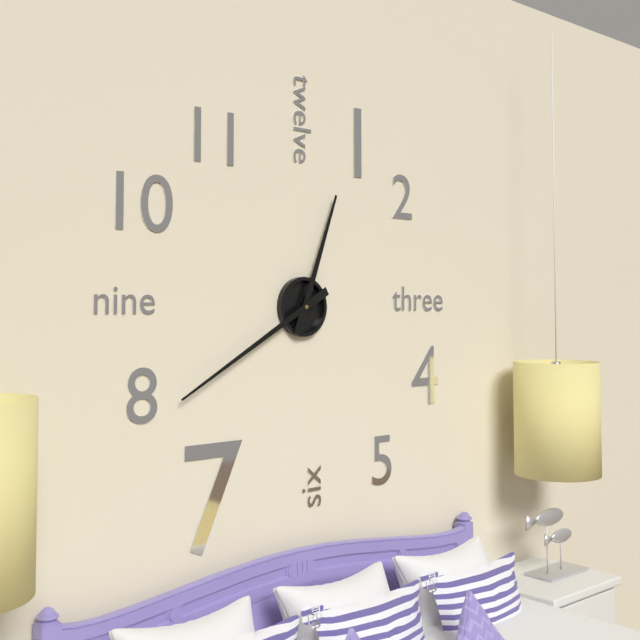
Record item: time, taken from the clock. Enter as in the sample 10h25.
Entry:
12h40
